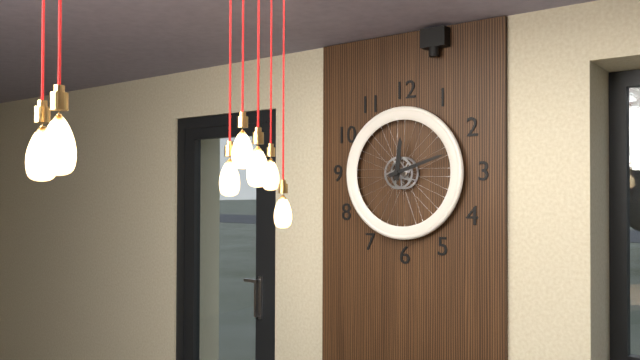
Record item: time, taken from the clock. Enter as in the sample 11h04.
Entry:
12h12
